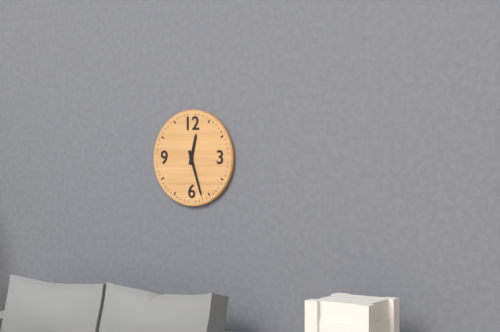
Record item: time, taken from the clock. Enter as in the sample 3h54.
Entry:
12h27
